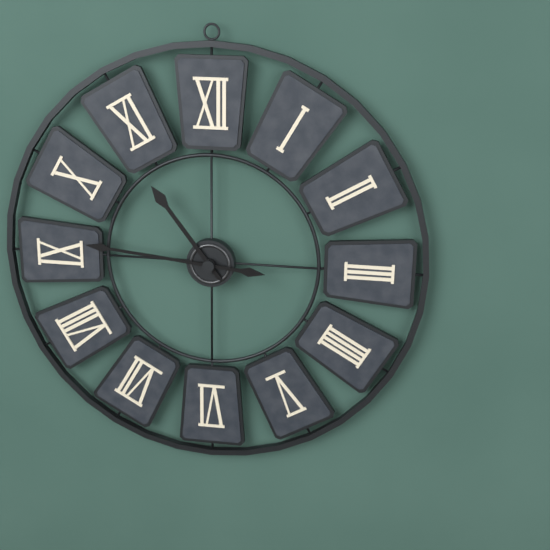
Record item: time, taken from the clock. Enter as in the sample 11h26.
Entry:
10h46
